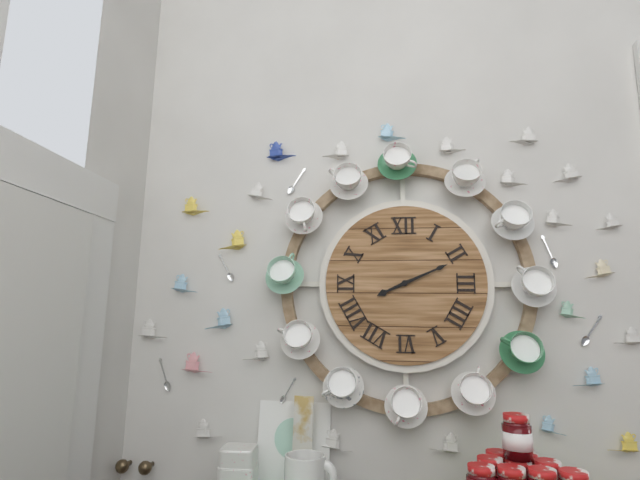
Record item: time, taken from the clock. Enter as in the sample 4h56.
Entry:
8h11
